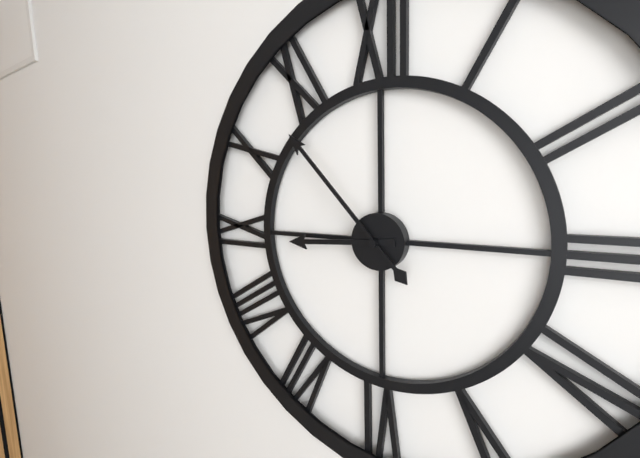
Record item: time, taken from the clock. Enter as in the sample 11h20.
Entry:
8h53
